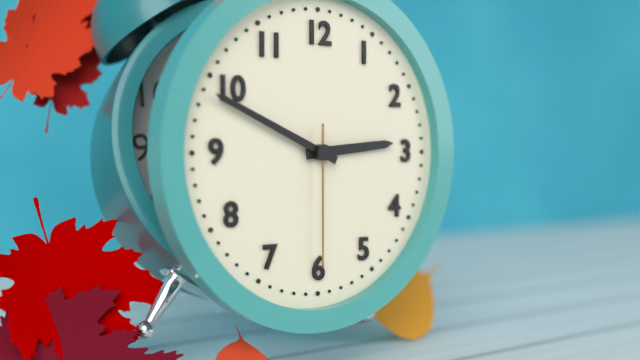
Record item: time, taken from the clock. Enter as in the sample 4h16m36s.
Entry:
2h49m30s
